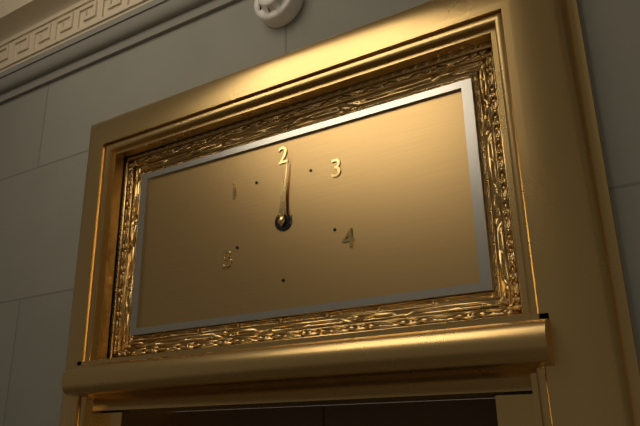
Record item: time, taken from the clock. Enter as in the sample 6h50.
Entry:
12h01
